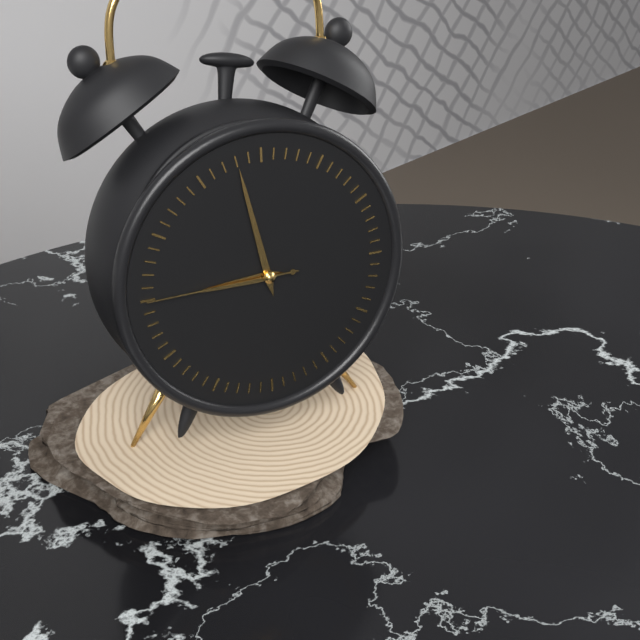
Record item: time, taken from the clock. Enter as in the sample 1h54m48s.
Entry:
8h58m45s
